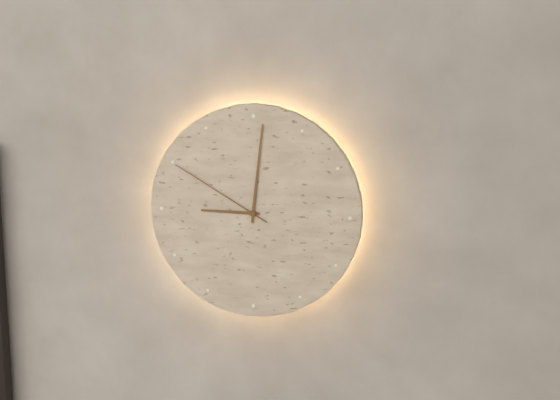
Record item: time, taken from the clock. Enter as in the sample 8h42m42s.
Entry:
9h01m50s
